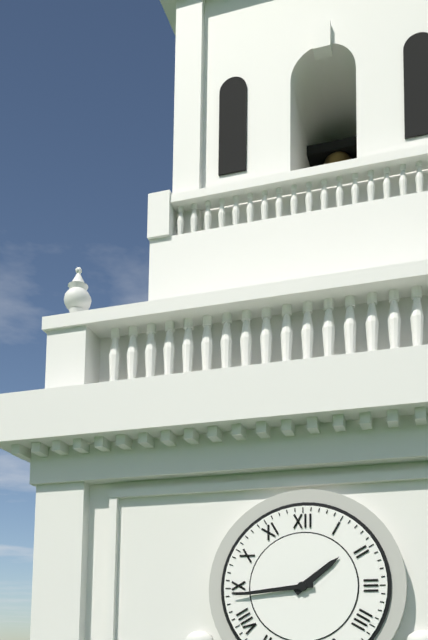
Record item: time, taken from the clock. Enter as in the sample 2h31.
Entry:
1h44
